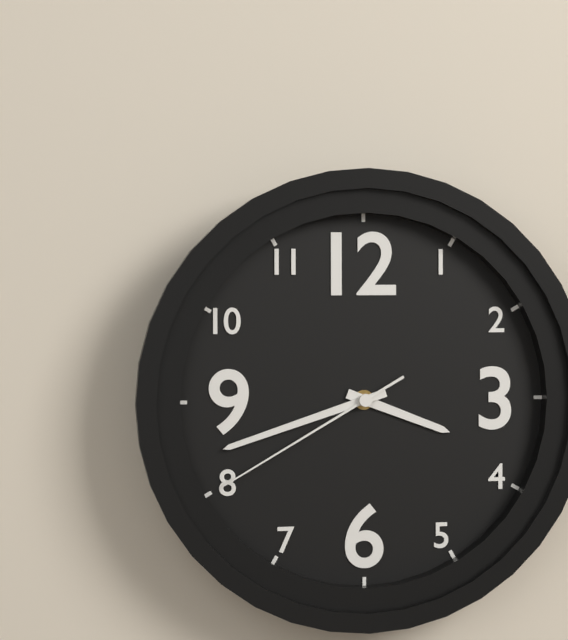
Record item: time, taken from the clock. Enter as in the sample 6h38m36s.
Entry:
3h42m40s
